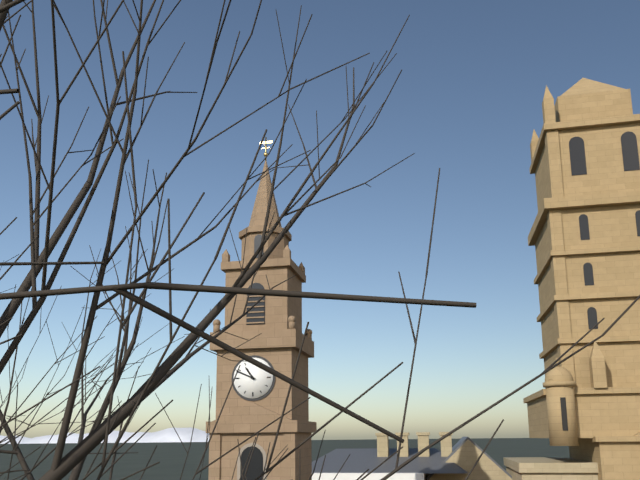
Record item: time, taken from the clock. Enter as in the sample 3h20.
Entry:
10h49
